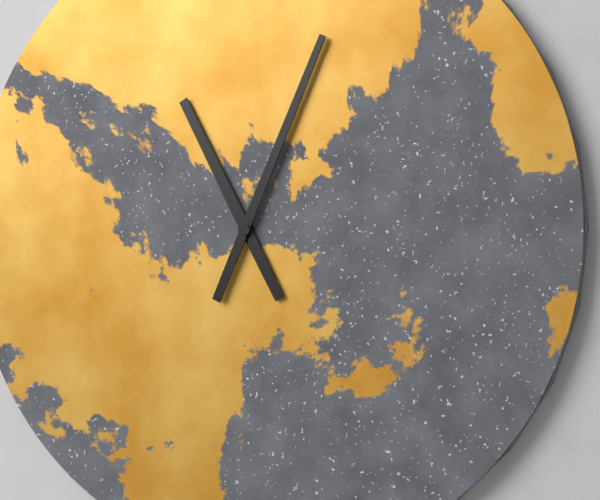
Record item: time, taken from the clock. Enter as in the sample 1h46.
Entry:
11h04
